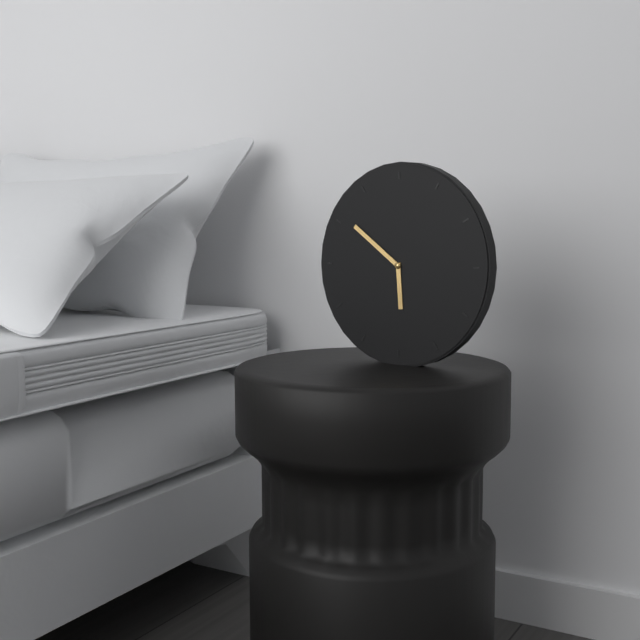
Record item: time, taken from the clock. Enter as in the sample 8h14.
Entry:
5h51
